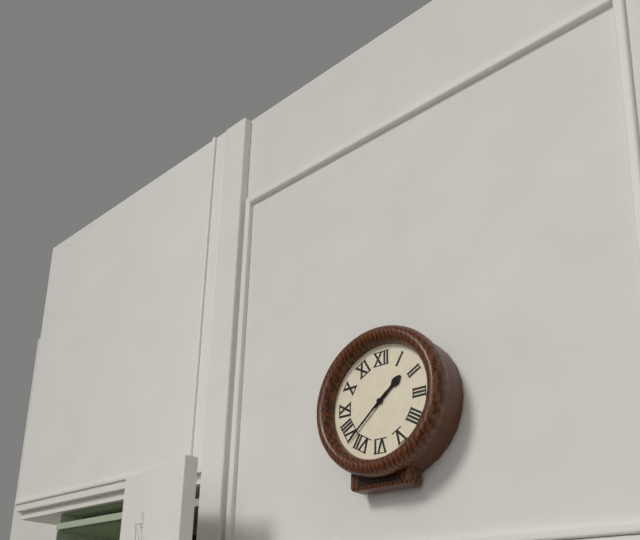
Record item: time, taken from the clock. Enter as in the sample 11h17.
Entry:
1h38
